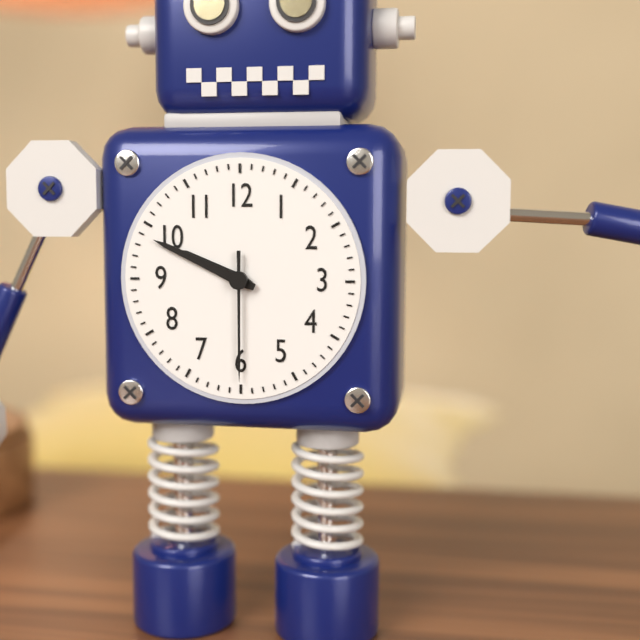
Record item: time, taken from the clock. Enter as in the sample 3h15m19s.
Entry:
9h49m30s
